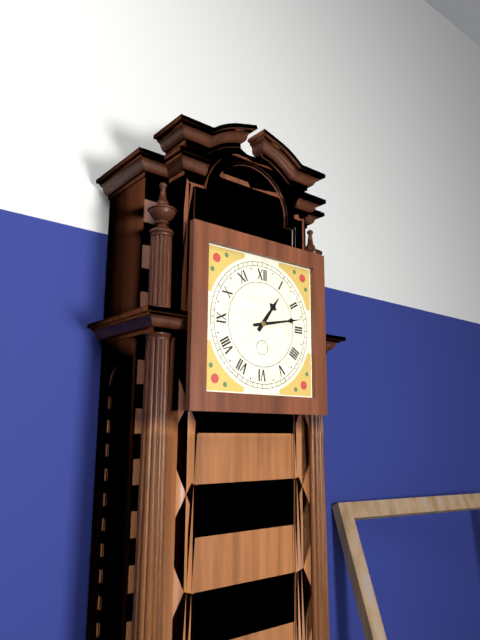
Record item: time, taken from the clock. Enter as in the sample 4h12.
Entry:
1h13
